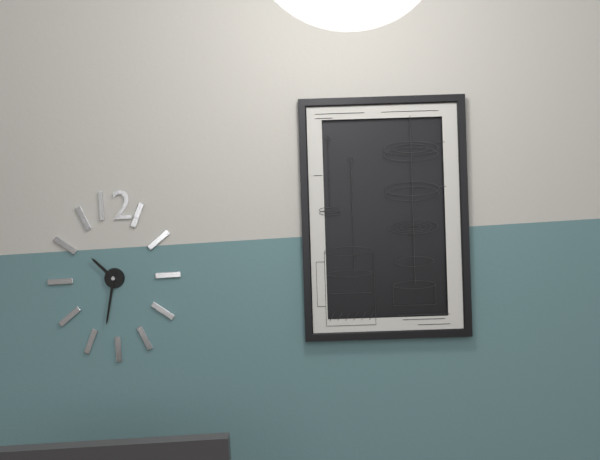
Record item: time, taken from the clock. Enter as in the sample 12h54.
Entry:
10h32
